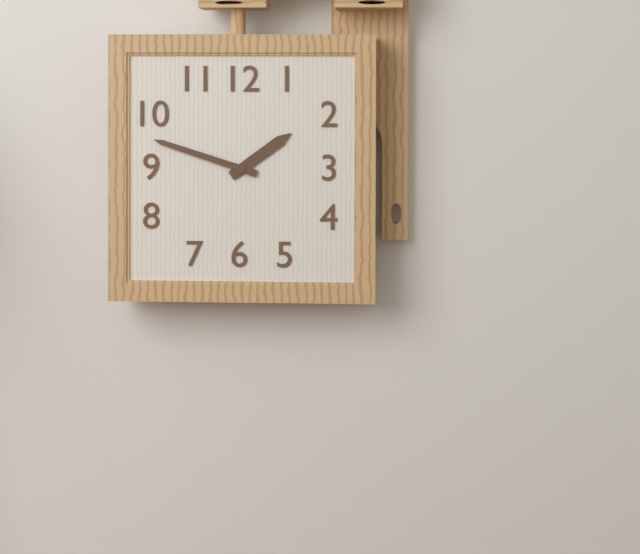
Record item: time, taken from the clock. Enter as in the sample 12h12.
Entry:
1h48
